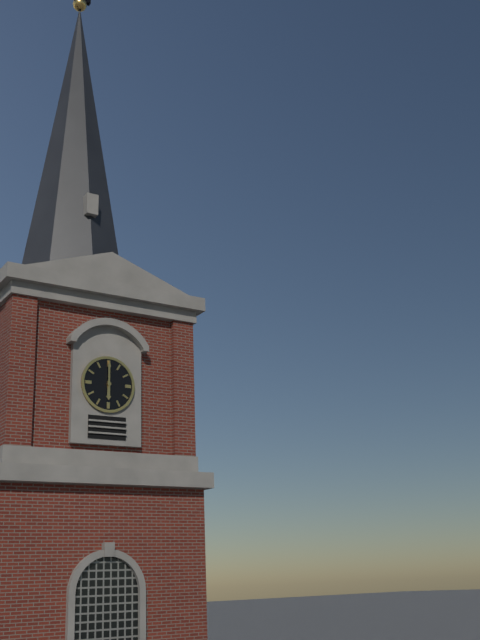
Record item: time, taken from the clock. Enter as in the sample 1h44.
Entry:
6h00
